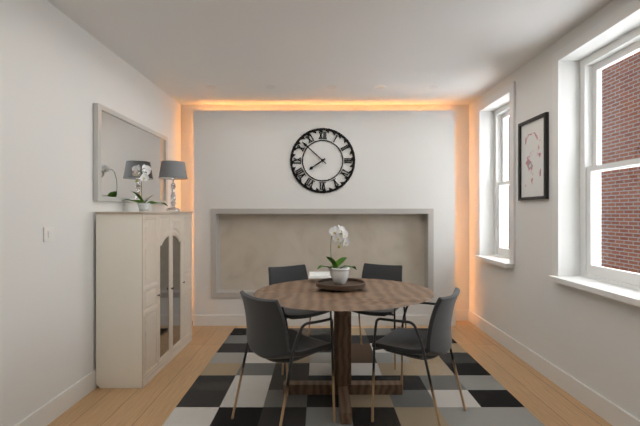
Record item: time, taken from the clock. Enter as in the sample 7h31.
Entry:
7h52
